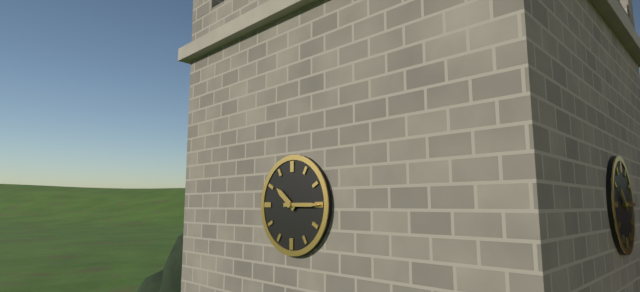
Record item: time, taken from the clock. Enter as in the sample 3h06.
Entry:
10h15
